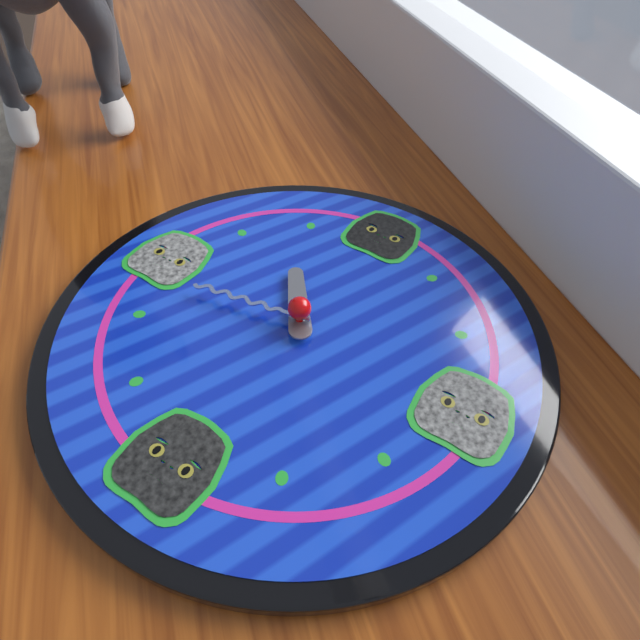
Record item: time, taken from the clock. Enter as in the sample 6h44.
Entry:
10h43
